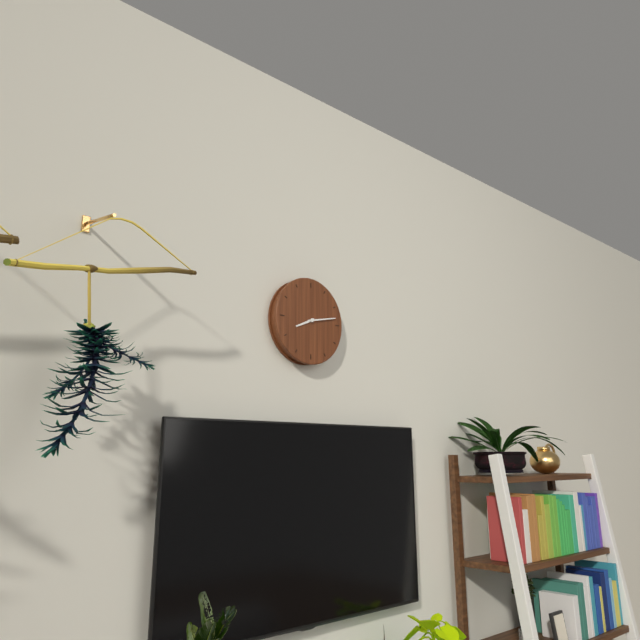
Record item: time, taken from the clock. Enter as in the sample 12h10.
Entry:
8h13
